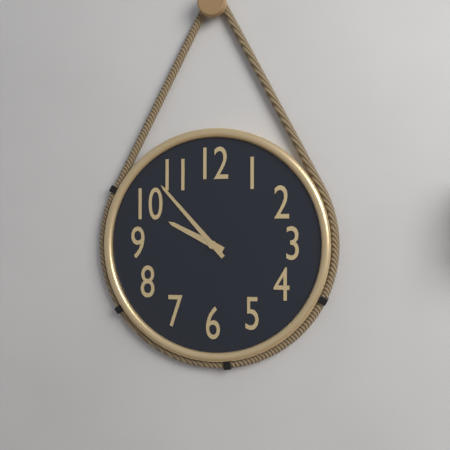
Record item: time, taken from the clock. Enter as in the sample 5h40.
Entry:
9h53
